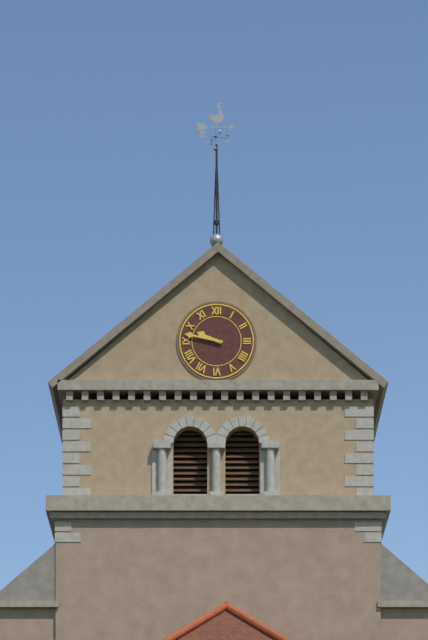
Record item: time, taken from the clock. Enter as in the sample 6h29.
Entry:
9h47
